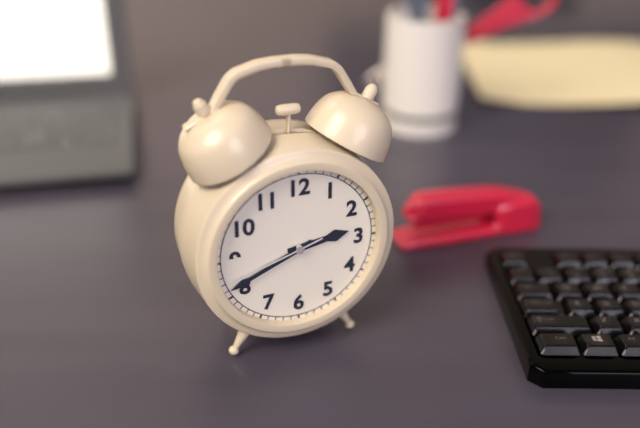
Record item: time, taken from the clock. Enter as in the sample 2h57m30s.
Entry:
2h41m42s
